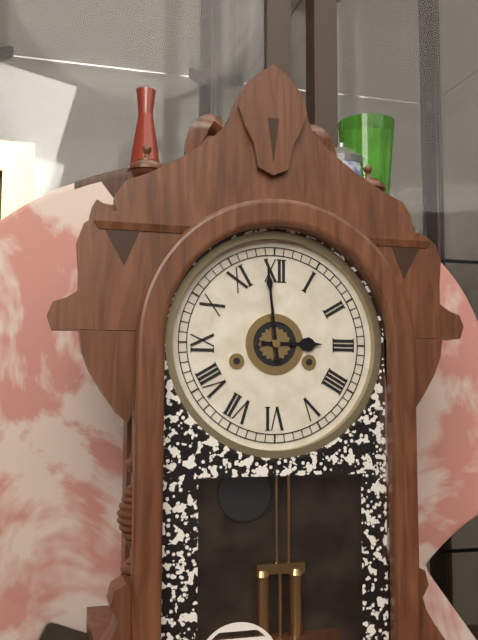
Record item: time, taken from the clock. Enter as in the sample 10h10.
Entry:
2h59
